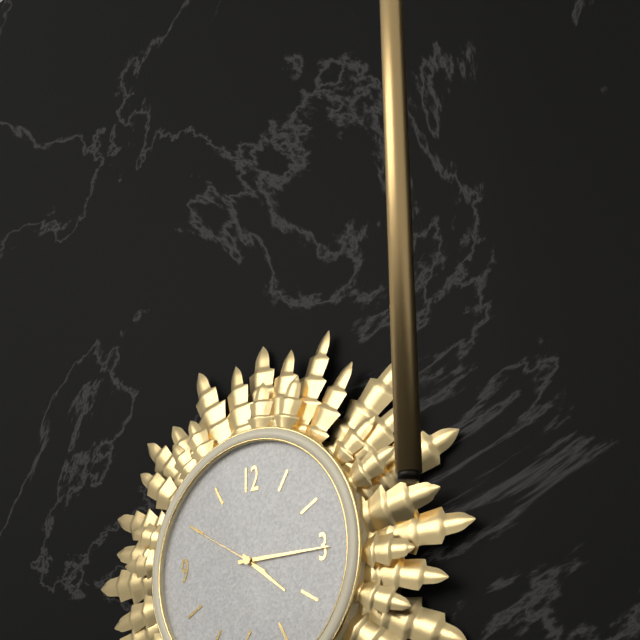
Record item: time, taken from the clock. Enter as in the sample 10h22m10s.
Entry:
4h15m50s
